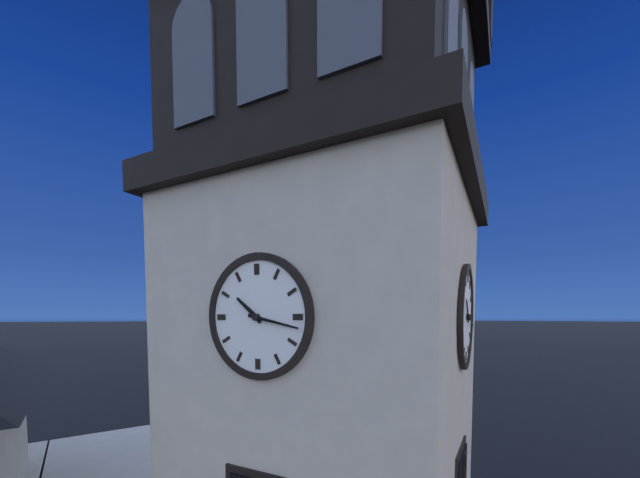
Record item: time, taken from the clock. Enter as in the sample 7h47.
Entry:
10h17
